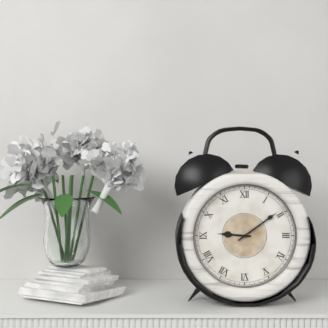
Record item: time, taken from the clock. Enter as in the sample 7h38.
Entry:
9h09
